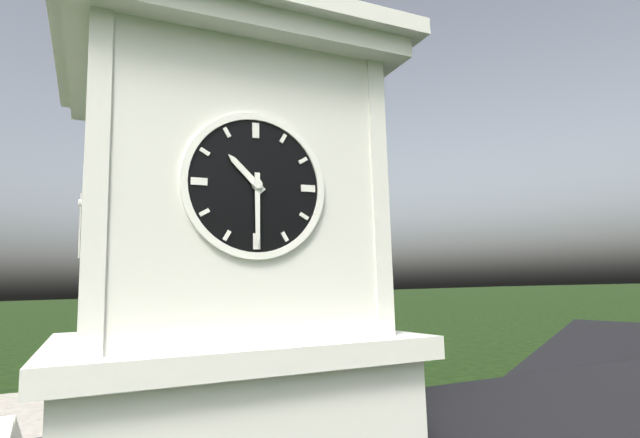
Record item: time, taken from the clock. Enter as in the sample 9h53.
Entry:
10h30
